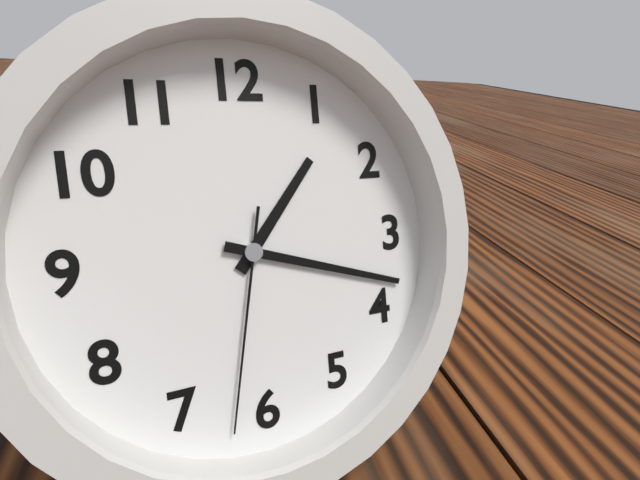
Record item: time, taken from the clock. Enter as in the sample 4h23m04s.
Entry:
1h18m32s
